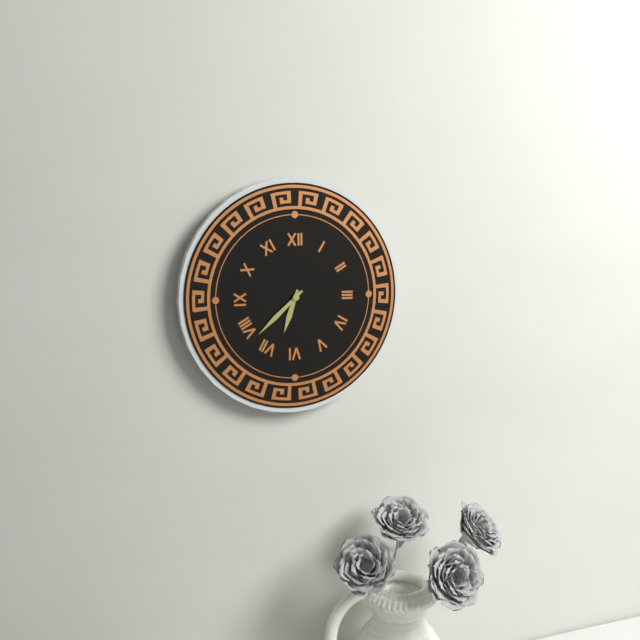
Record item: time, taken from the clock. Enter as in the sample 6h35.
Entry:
6h38
